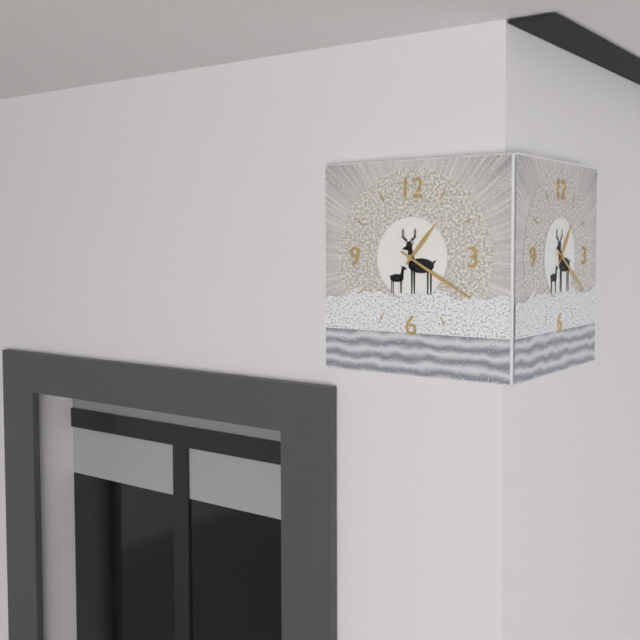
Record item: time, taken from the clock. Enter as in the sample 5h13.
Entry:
1h20
